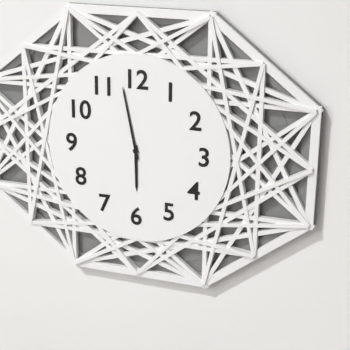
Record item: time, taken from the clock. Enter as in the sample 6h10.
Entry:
5h58
